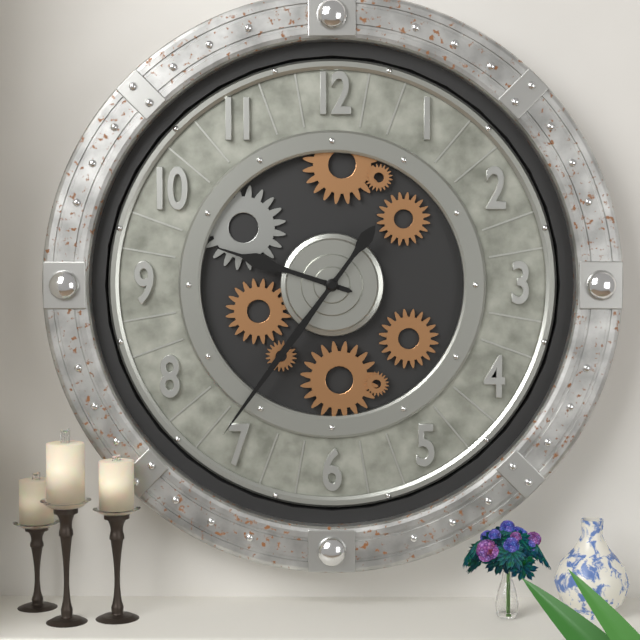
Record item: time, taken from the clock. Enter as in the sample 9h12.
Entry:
9h36
